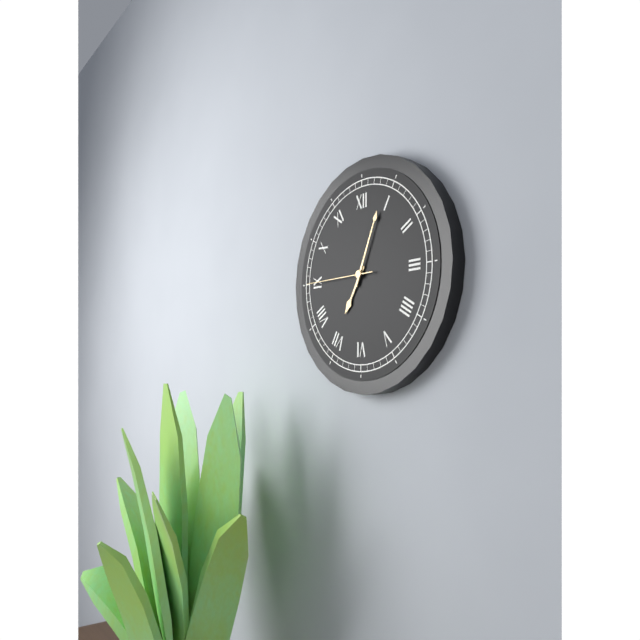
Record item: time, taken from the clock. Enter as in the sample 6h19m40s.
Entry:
7h04m45s
